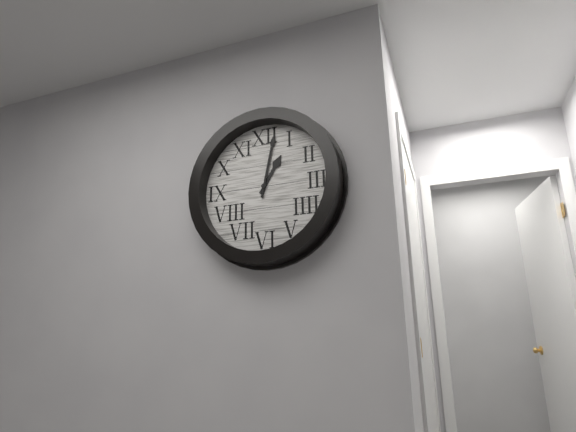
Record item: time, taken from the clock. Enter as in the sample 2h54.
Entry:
1h02
